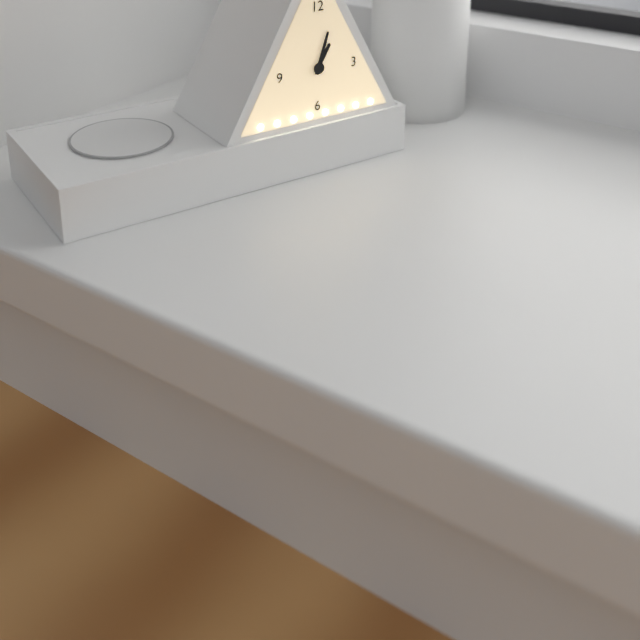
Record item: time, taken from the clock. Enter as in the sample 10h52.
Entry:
1h03
